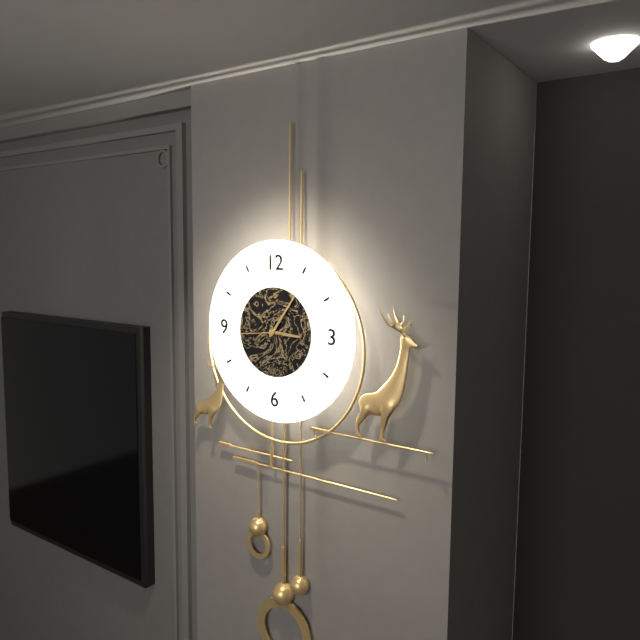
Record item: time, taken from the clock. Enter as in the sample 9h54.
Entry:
3h06
